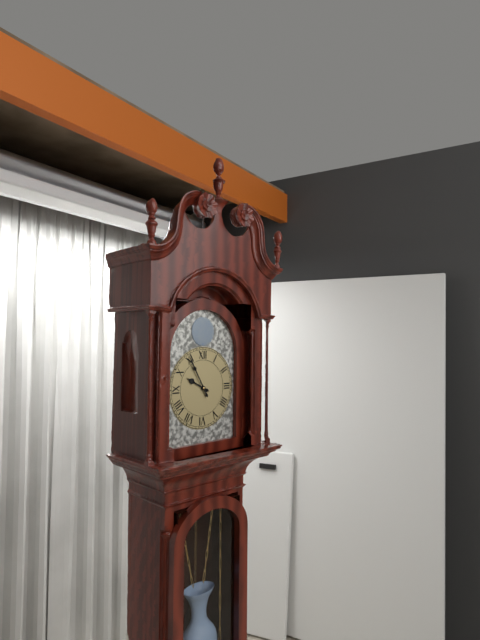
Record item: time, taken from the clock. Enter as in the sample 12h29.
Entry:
9h55
